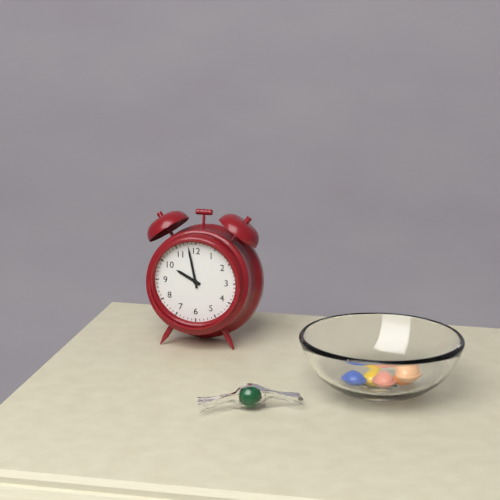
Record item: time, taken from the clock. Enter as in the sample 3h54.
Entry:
9h58
